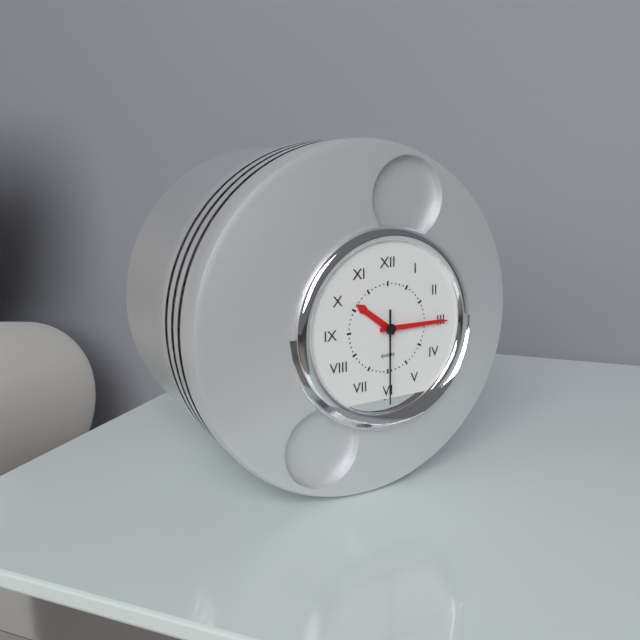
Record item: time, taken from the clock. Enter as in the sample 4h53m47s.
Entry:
10h15m30s
